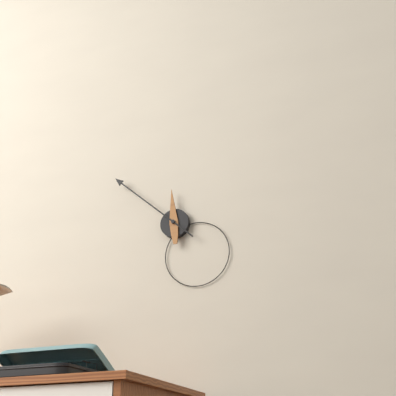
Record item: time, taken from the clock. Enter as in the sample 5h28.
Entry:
11h52
